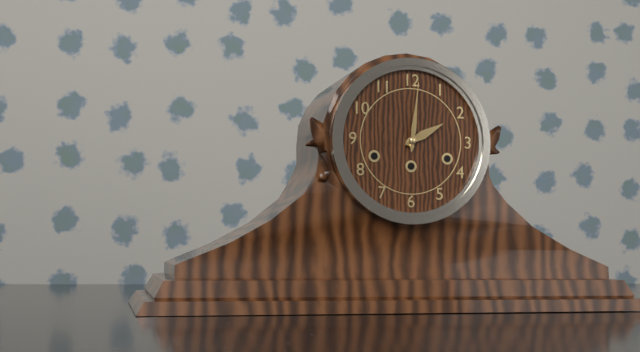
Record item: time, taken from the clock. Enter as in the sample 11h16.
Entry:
2h01
